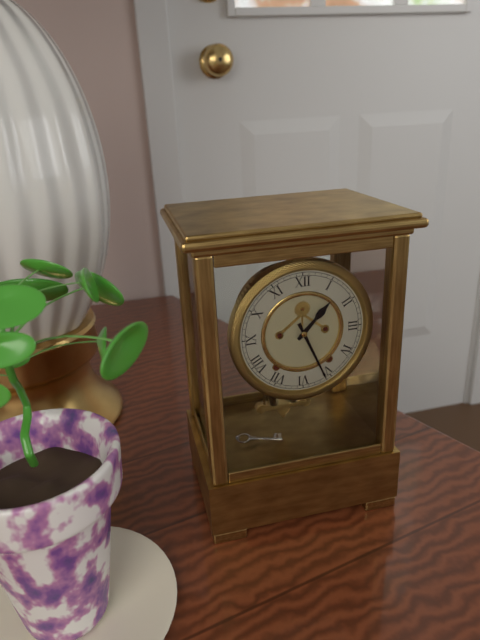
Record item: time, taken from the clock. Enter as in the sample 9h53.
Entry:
1h26
